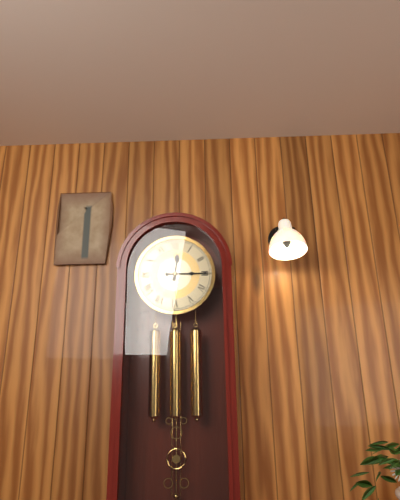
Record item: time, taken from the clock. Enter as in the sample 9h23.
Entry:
12h15
